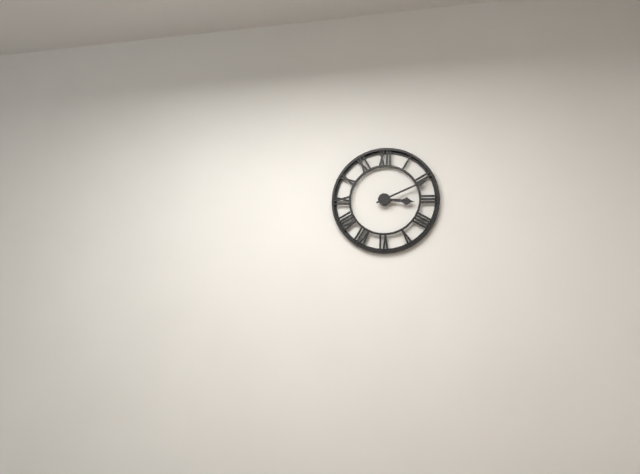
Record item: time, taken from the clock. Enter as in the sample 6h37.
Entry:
3h11
